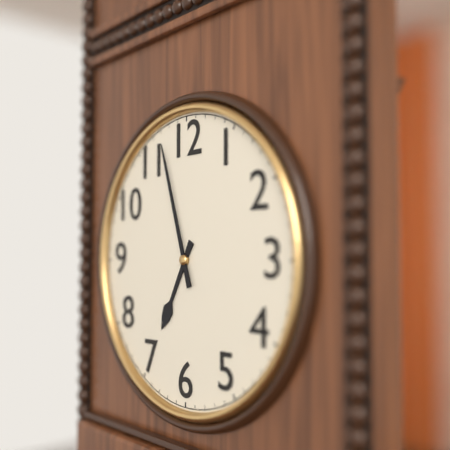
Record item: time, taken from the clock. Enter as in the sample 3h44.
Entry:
6h57
